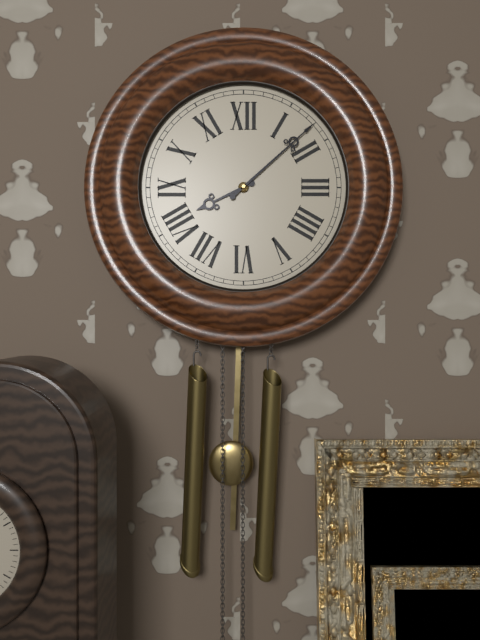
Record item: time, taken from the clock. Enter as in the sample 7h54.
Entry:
8h08
